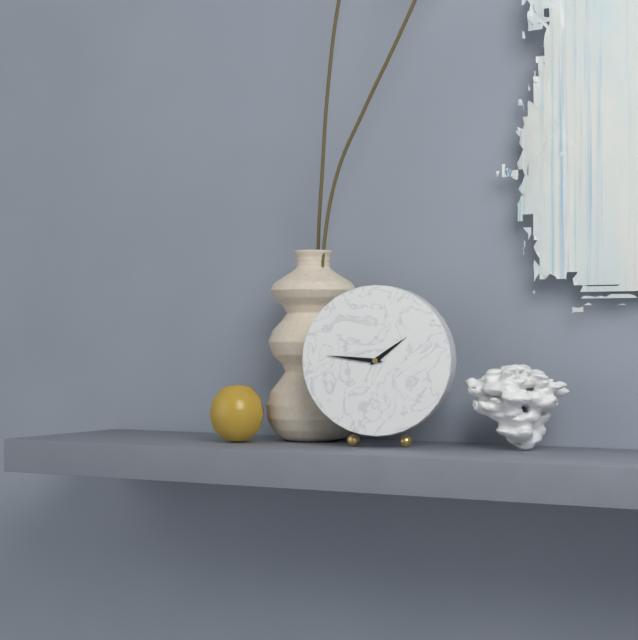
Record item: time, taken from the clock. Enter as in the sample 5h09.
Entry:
1h46
